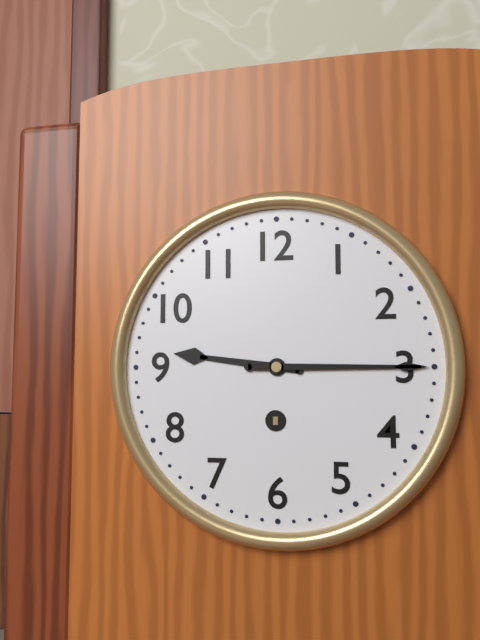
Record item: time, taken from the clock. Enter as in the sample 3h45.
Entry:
9h15
